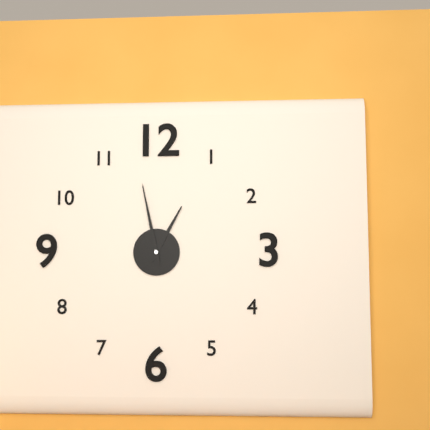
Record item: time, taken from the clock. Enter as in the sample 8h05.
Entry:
12h58
